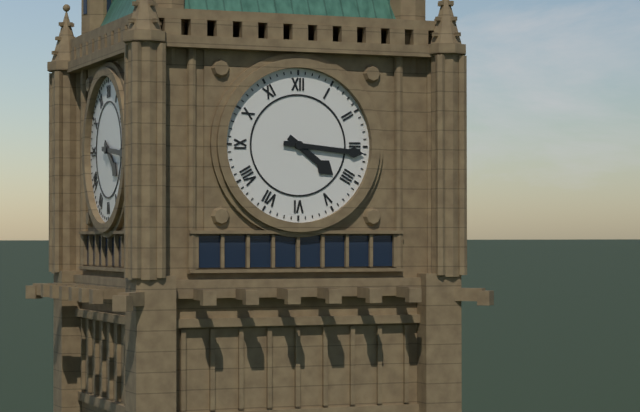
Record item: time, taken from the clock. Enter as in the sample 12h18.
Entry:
4h16
